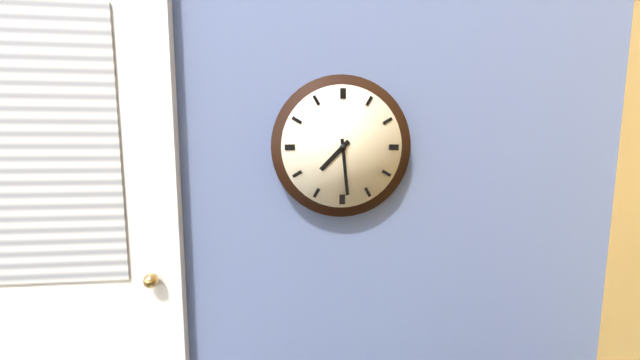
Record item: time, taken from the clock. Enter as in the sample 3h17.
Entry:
7h29
